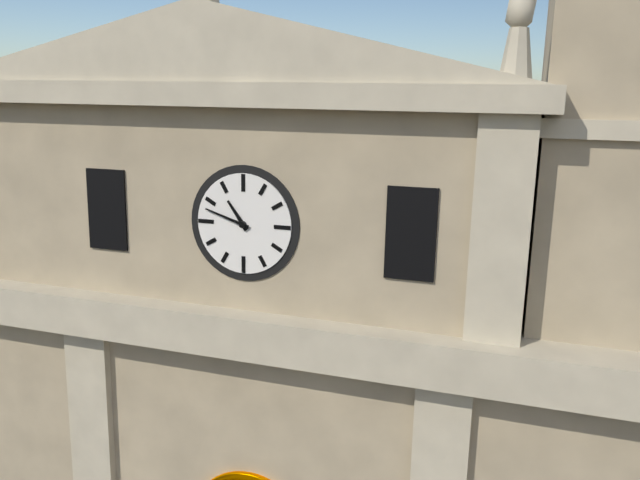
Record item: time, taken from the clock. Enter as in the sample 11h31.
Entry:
10h48
